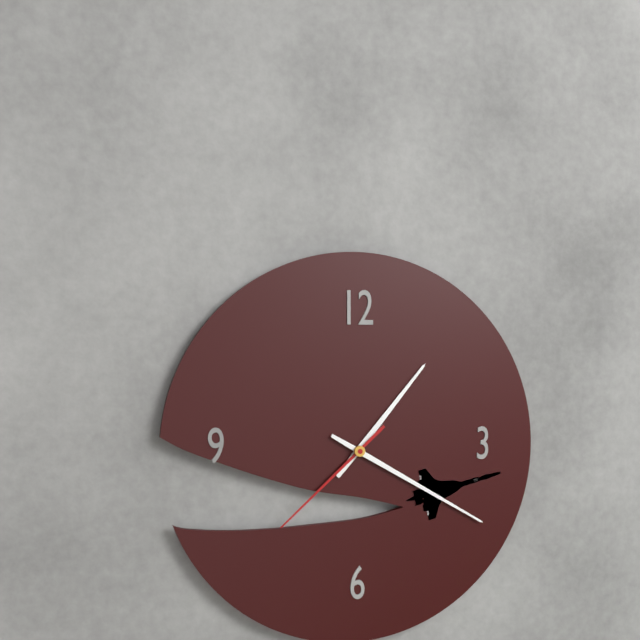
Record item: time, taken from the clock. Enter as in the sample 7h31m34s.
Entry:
1h20m38s
